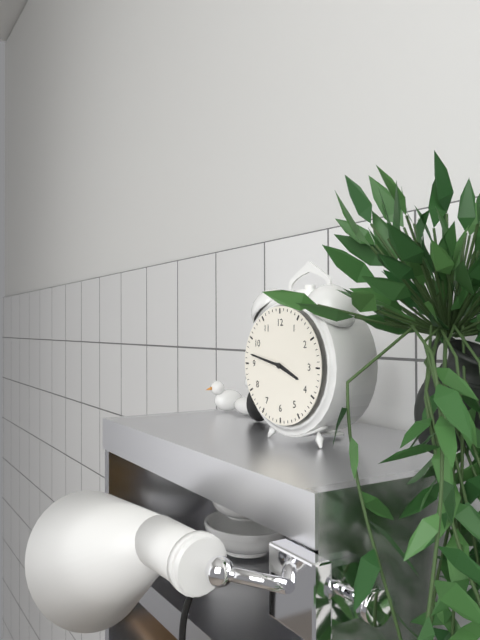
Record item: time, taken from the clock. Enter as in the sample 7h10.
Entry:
3h47
